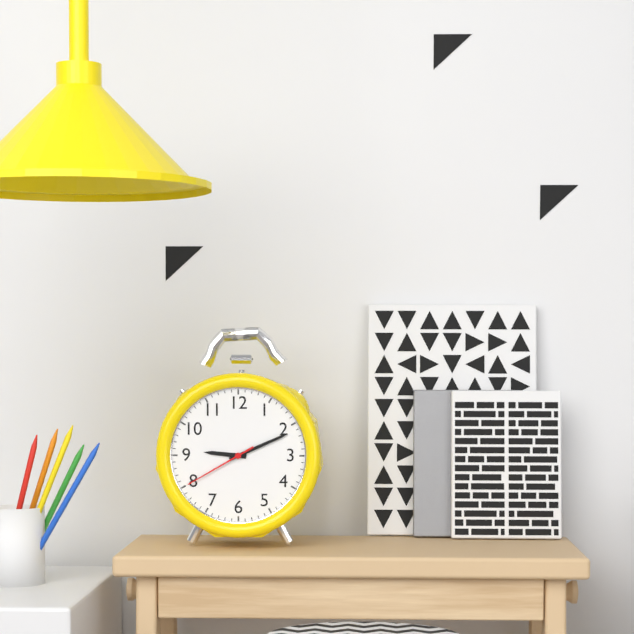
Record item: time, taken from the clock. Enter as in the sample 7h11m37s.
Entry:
9h11m40s
